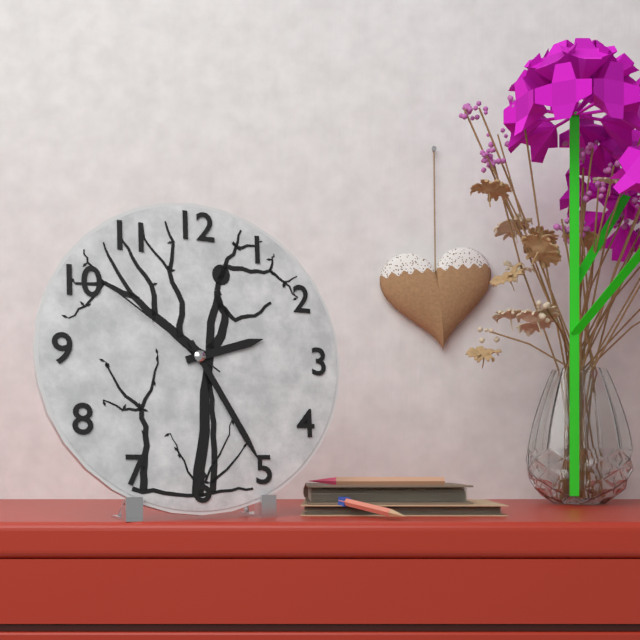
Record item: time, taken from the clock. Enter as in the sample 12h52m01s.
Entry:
2h25m51s
